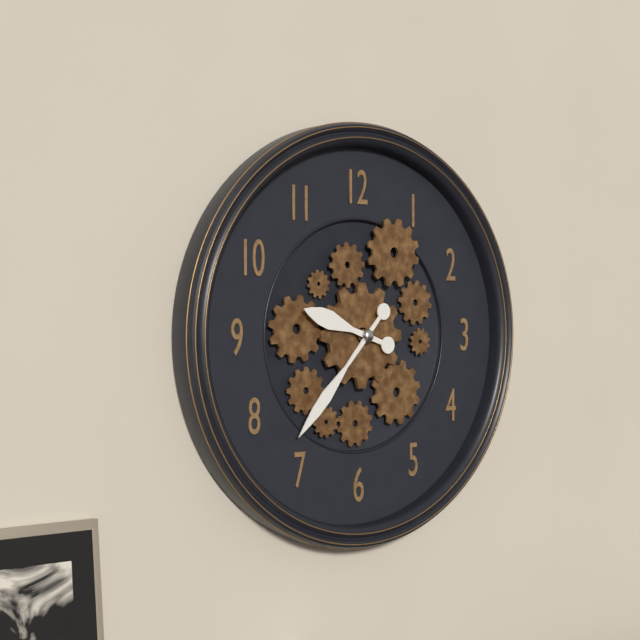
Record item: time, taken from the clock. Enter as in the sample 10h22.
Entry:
9h37
